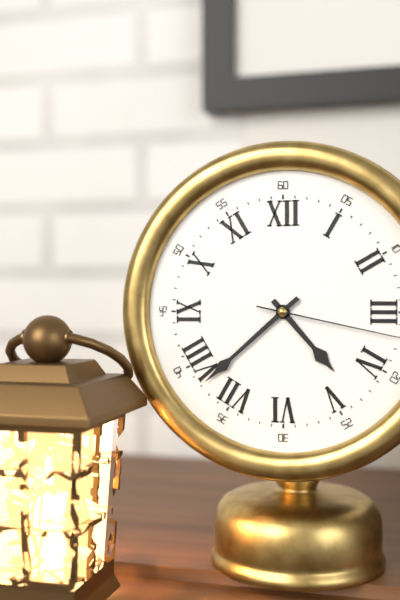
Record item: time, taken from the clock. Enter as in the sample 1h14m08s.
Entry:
4h38m17s
